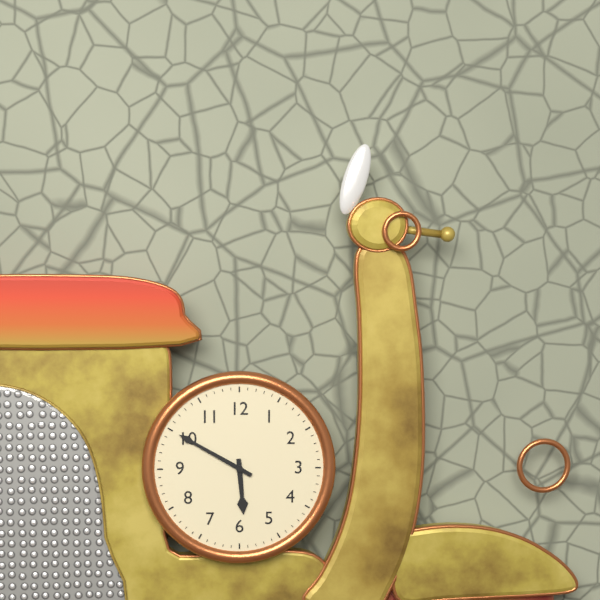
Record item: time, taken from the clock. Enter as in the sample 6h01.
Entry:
5h50
